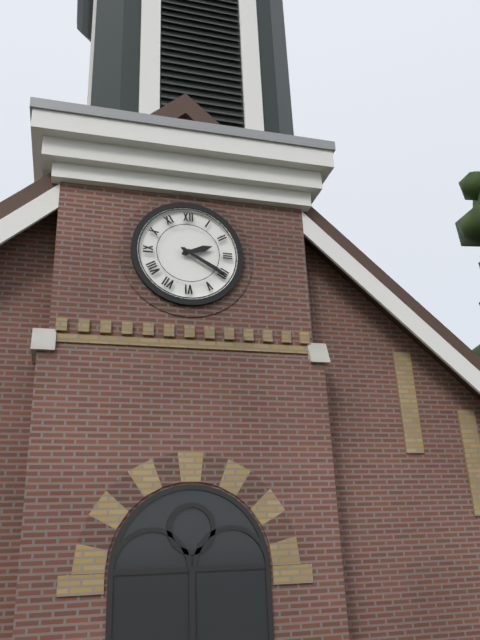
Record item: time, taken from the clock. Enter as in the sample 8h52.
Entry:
2h20
